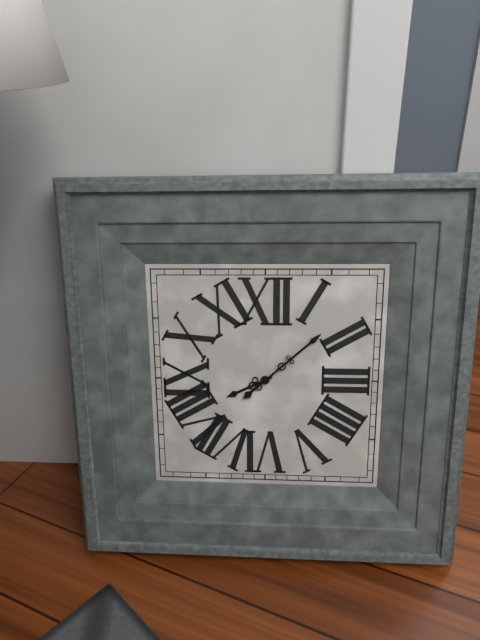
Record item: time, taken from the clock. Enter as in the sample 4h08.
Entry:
8h08
